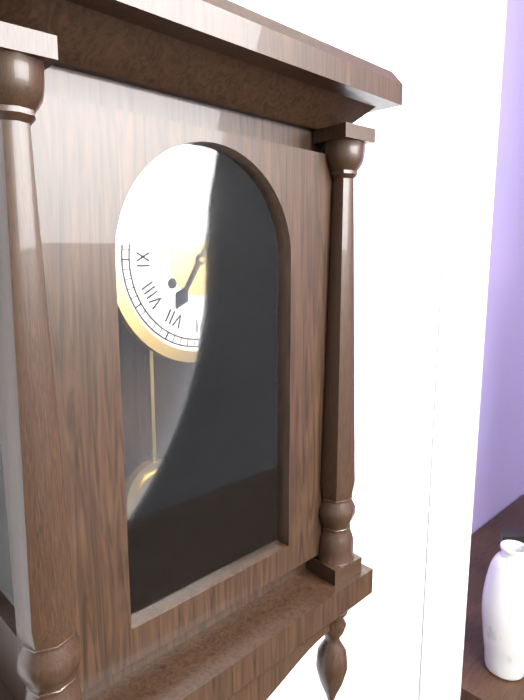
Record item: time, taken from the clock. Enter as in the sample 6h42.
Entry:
7h06
